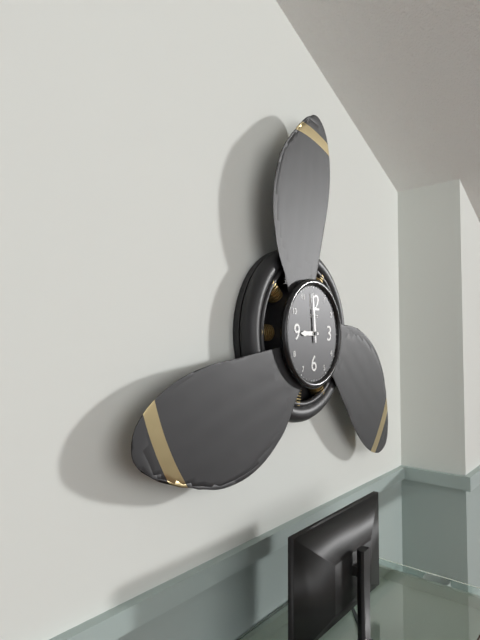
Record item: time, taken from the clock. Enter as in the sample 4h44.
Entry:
8h59
